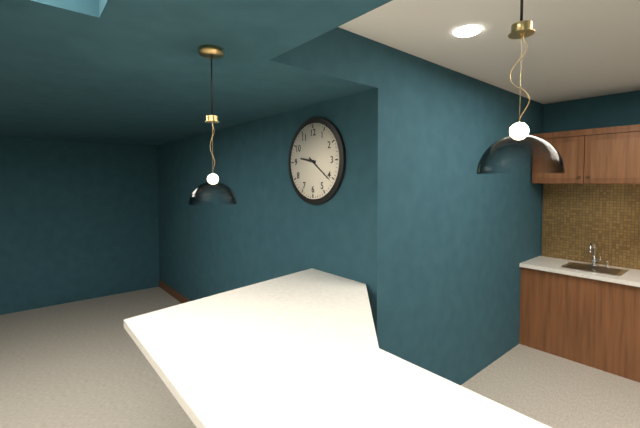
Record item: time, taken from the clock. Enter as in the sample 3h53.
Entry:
9h21
